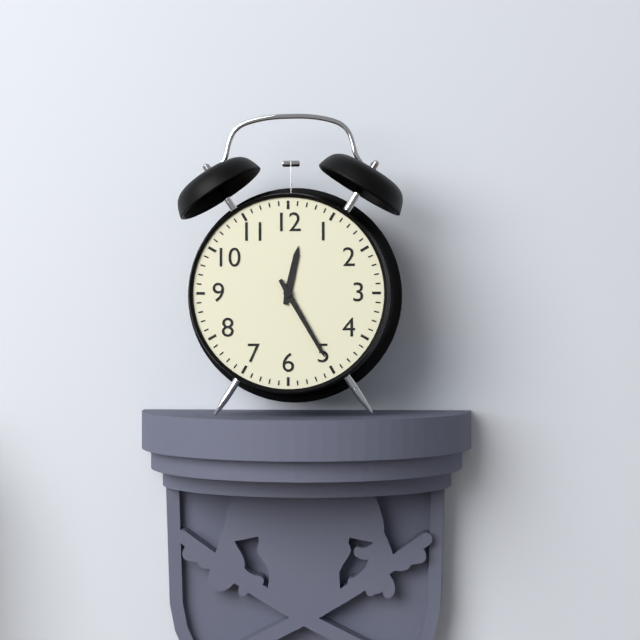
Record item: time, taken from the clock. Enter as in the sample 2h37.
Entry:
12h25
